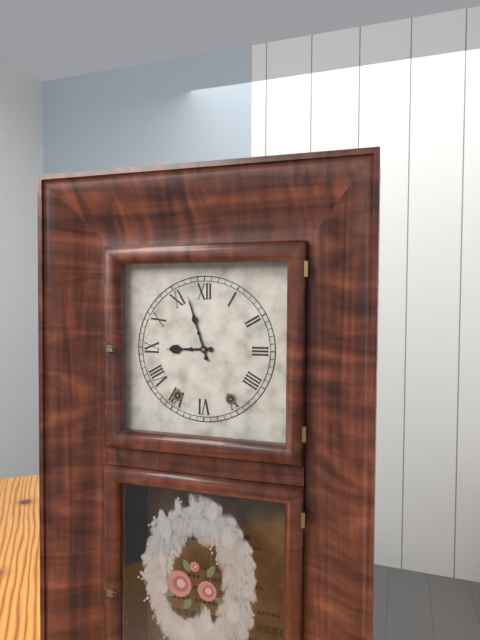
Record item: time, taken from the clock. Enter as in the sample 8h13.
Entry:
8h57
